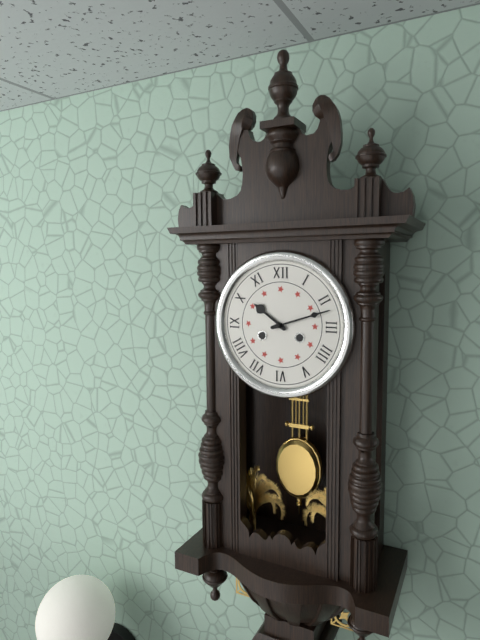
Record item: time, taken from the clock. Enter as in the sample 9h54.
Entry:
10h12
